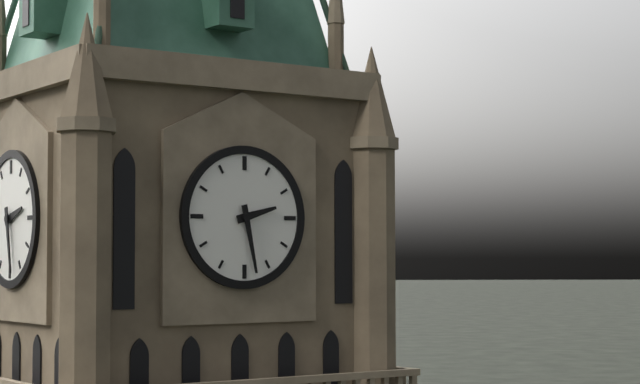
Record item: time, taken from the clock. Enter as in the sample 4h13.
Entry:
2h28
